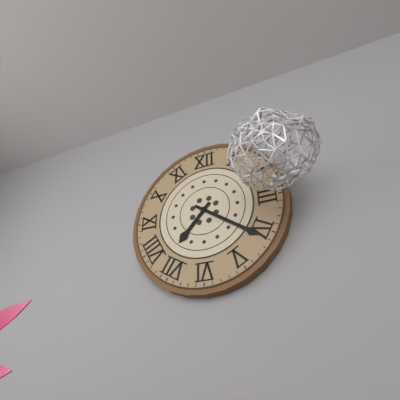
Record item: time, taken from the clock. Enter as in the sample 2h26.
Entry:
7h21
